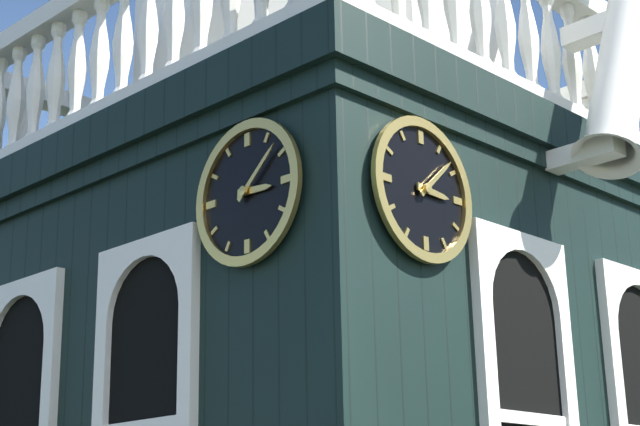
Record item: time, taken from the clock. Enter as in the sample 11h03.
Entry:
3h08
